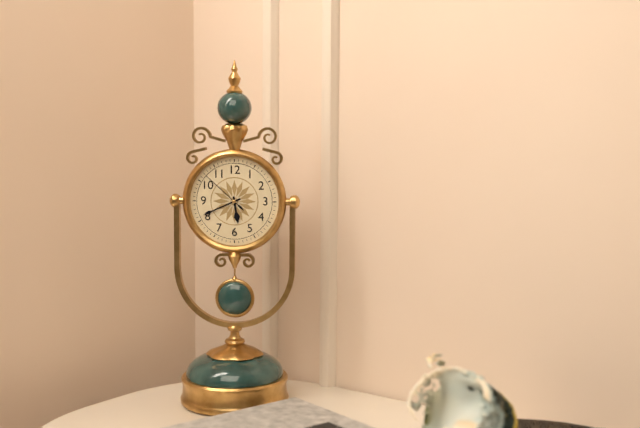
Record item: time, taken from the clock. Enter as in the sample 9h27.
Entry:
5h41
